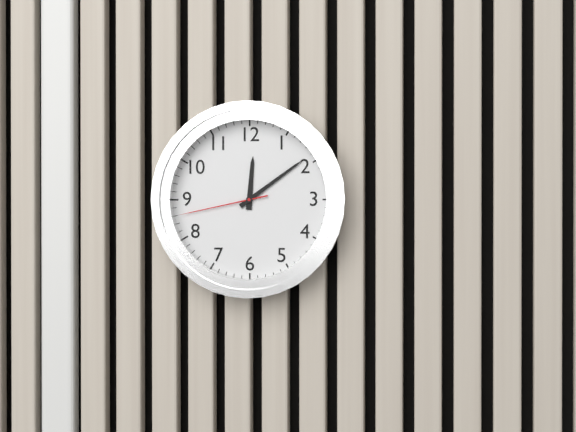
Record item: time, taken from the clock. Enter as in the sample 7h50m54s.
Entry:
12h09m43s
